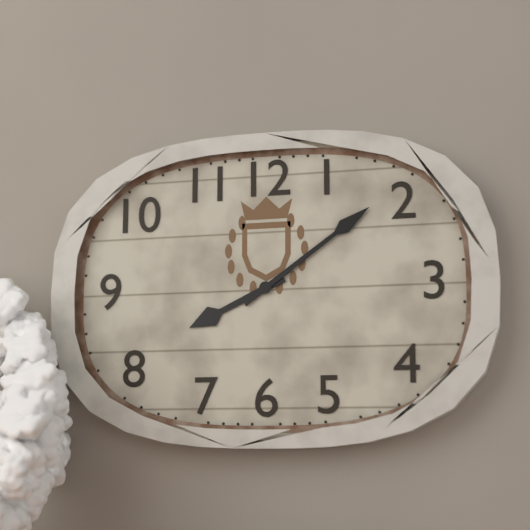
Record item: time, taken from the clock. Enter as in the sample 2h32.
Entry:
8h09
